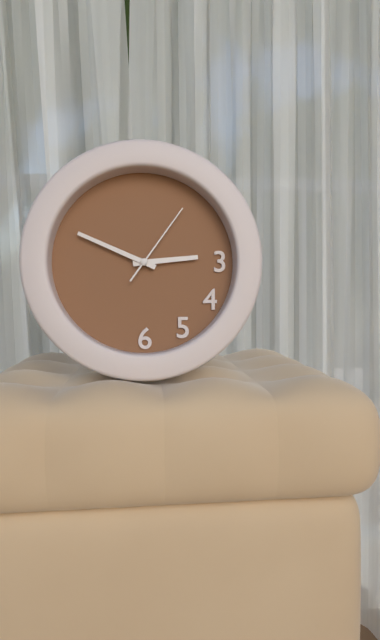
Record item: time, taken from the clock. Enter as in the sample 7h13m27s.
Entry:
2h49m06s
